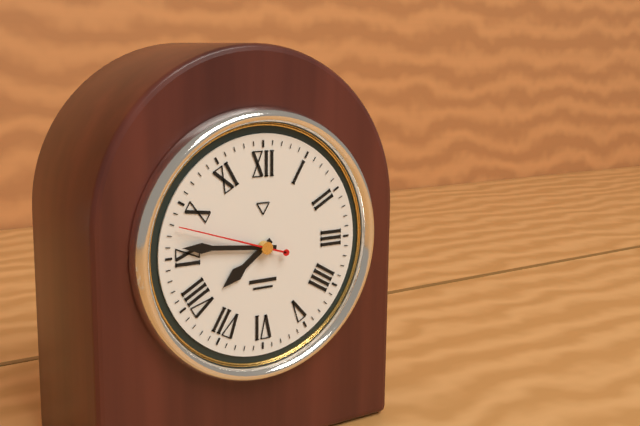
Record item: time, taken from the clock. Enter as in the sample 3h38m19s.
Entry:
7h46m48s
